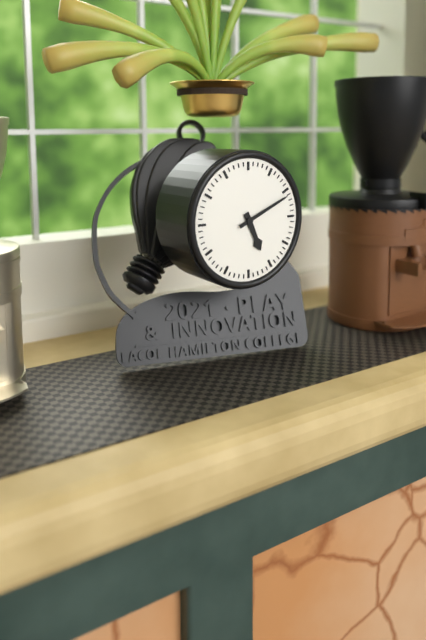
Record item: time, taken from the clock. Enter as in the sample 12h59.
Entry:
5h11
